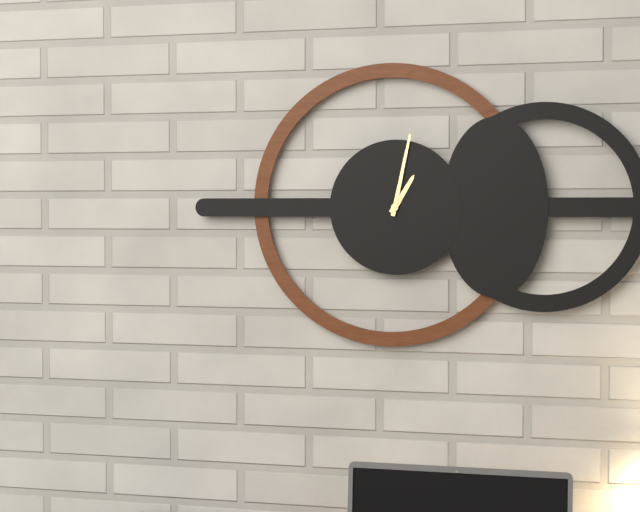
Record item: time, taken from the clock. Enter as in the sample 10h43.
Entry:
1h02
